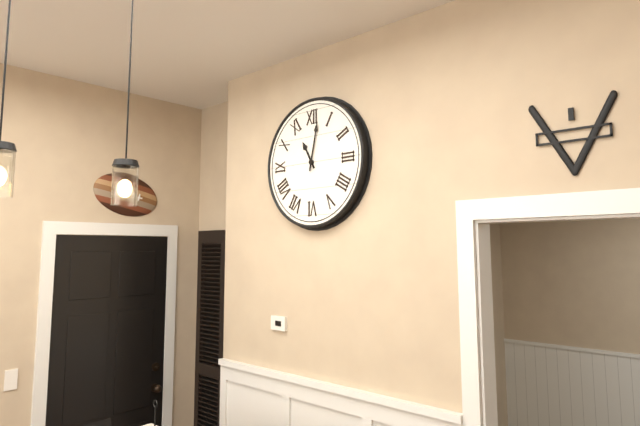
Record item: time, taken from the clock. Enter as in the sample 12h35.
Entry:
11h02
